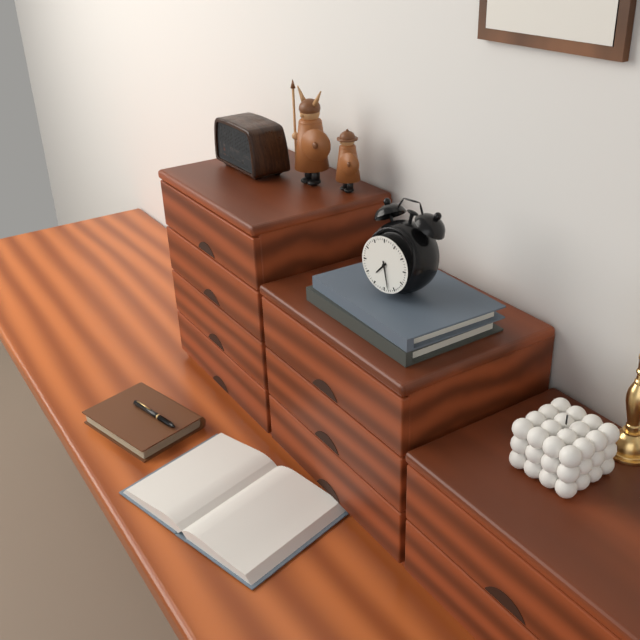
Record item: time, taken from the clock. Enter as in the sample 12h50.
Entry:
7h28
